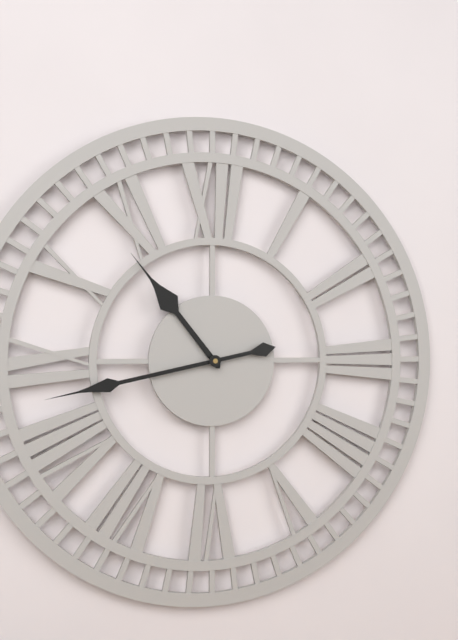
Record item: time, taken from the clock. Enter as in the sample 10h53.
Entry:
10h43
